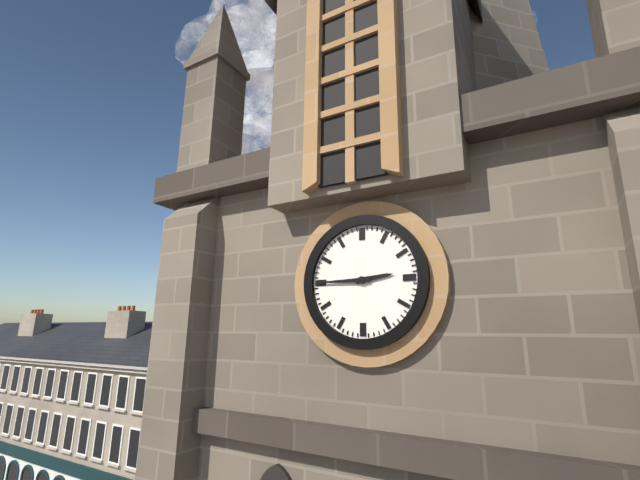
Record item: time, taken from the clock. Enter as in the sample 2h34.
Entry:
2h45
